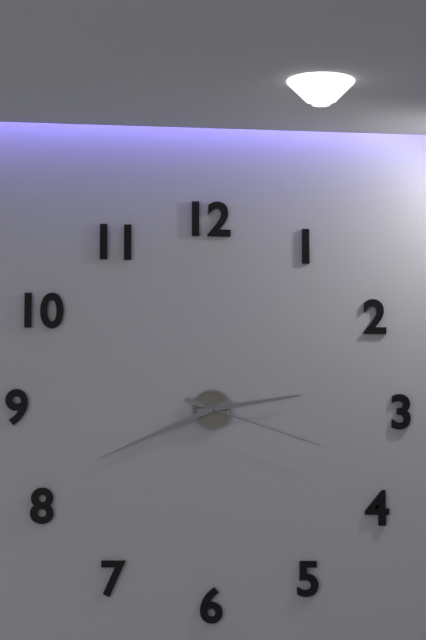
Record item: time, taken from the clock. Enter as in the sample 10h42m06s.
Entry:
2h41m18s
